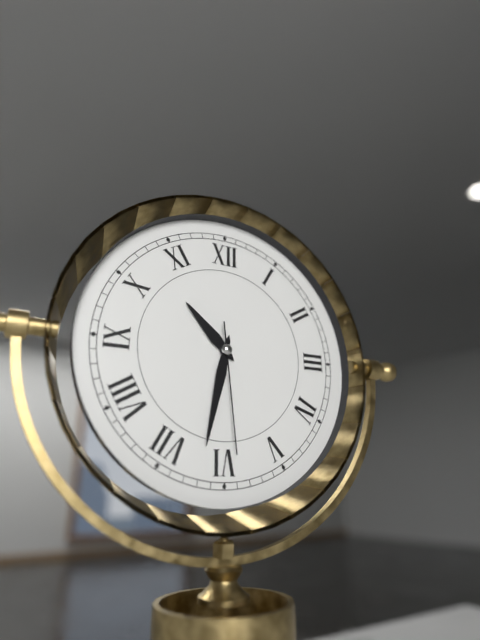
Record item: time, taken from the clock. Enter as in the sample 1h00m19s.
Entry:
10h32m29s
